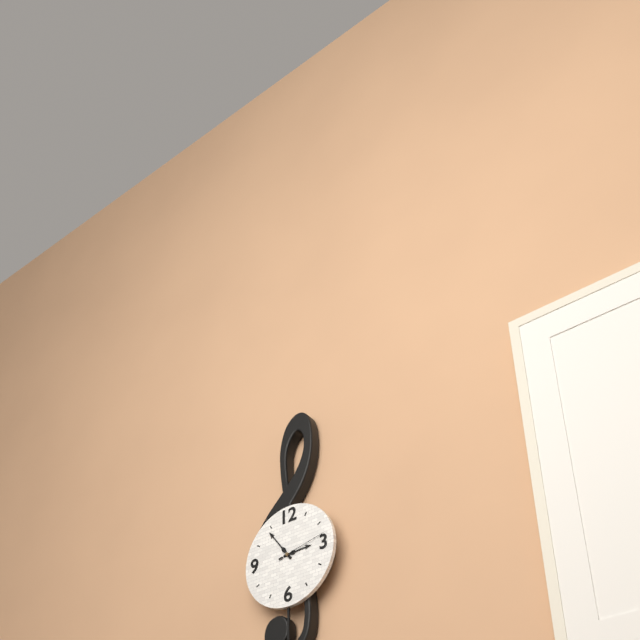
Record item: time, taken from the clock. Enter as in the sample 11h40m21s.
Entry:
2h54m13s
